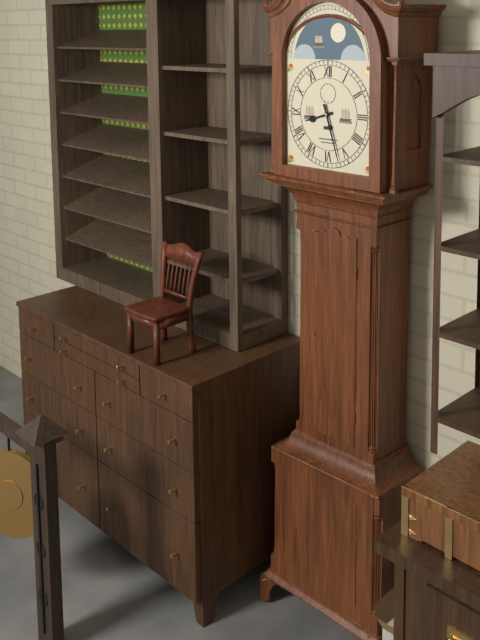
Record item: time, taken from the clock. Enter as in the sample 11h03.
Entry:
8h27
